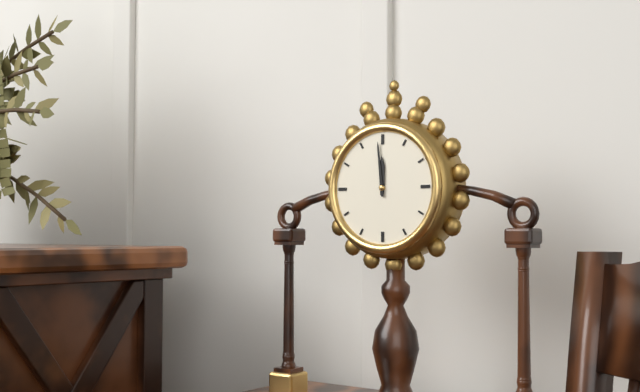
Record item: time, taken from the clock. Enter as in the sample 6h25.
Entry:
11h59
